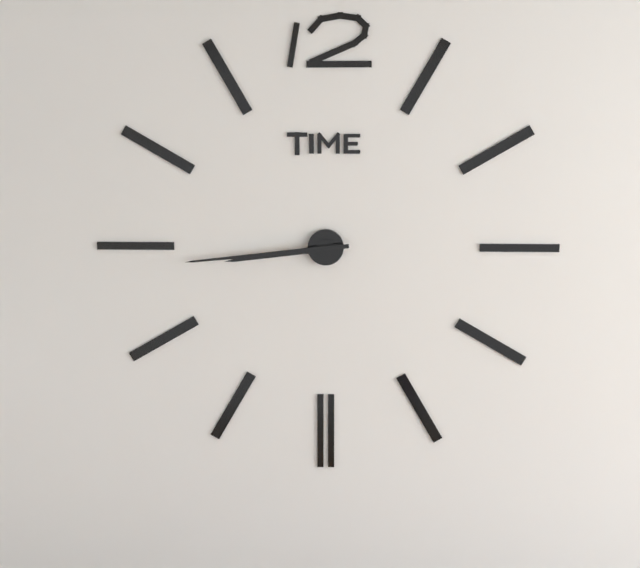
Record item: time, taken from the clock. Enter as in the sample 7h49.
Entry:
8h44
